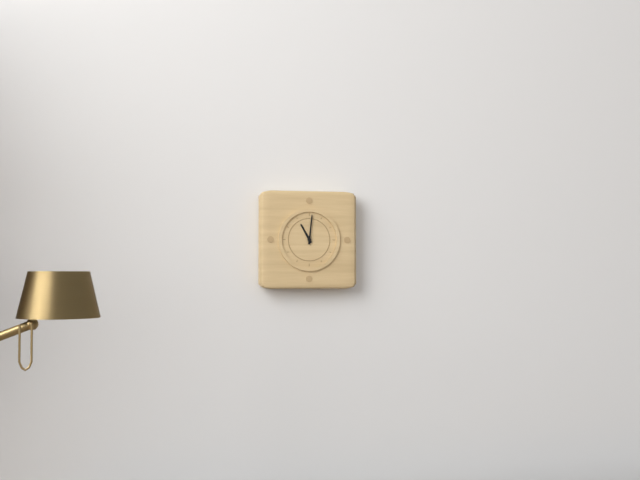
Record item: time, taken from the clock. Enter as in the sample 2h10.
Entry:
11h01
